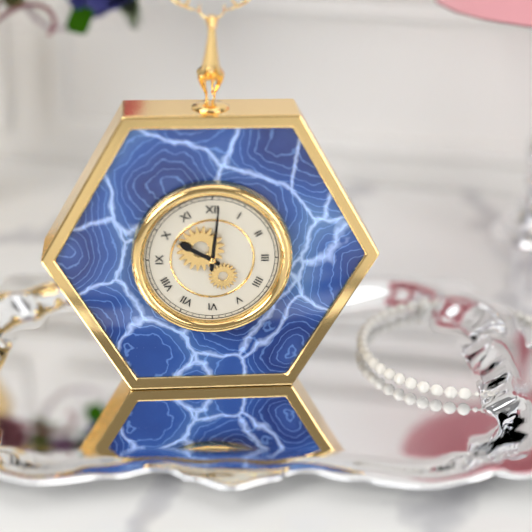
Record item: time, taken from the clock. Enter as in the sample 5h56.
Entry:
10h01
